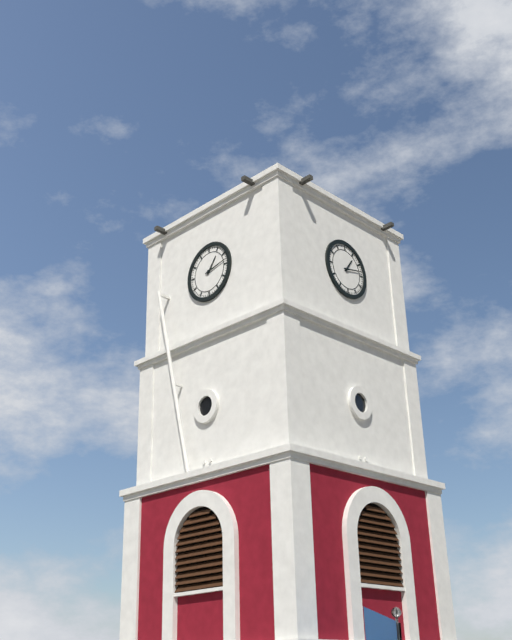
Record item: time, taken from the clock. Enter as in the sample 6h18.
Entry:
1h13
